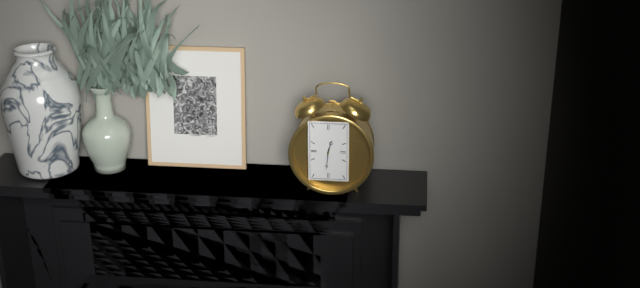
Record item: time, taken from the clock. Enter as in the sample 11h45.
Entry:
12h31
